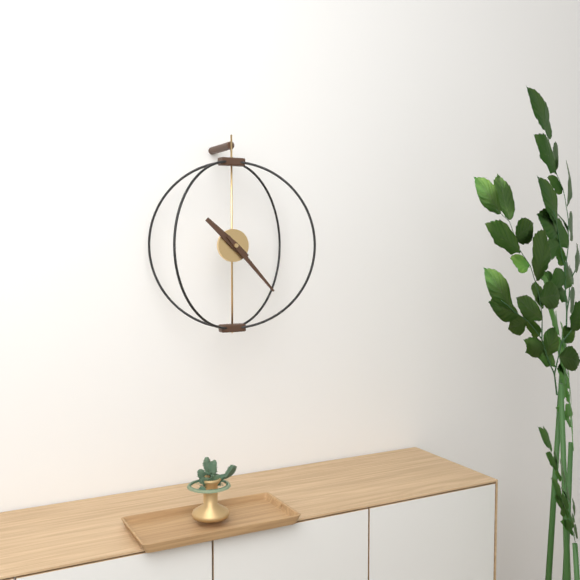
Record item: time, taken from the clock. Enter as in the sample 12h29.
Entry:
10h23
